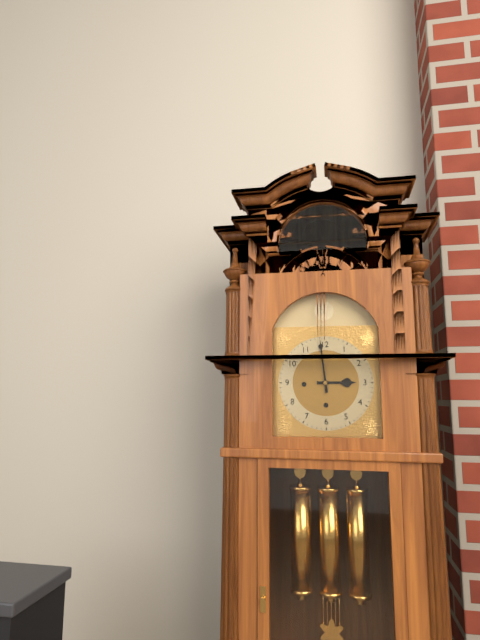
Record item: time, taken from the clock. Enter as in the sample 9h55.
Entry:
2h59
